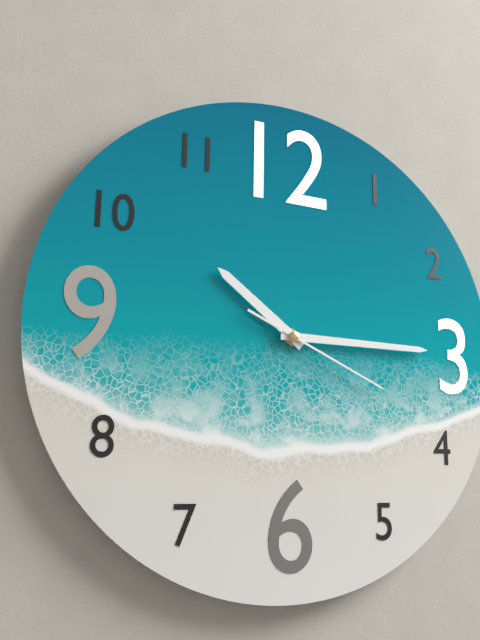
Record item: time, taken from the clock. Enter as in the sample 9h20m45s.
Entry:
10h15m19s
